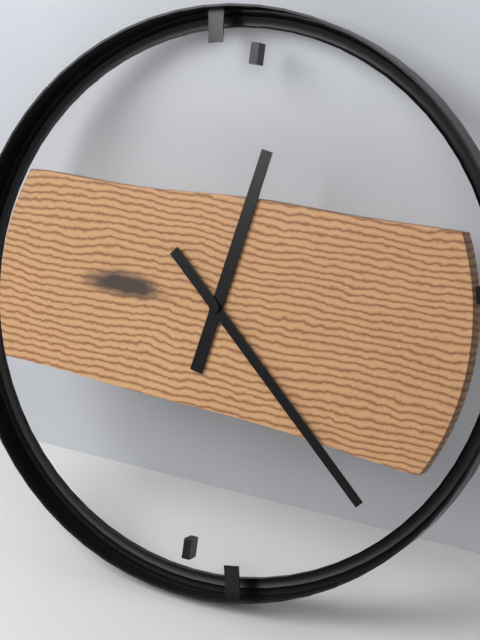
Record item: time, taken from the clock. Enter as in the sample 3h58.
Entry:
12h22
